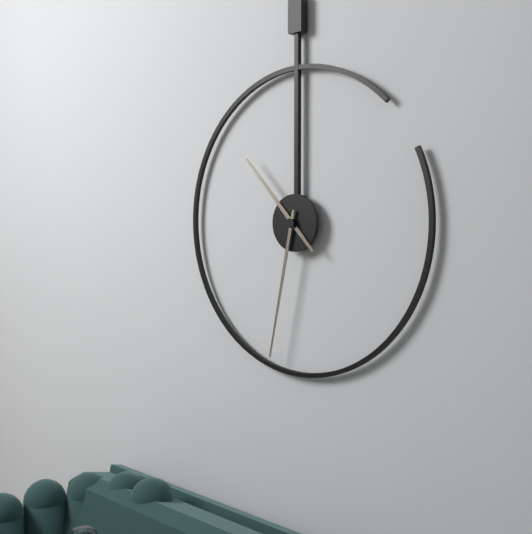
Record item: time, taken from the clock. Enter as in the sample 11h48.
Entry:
10h32
